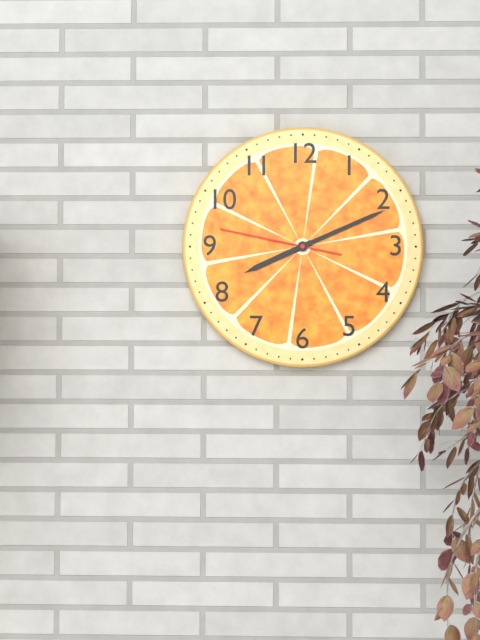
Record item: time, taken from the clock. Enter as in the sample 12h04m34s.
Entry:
8h11m47s
